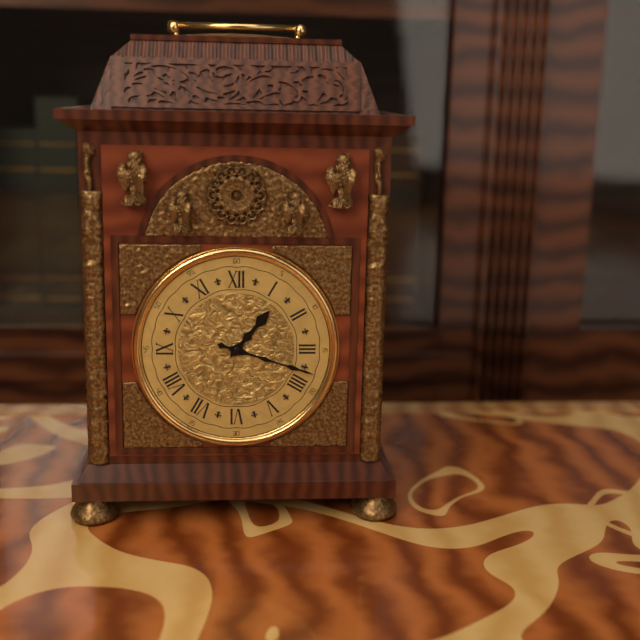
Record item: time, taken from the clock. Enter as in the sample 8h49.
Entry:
1h18
